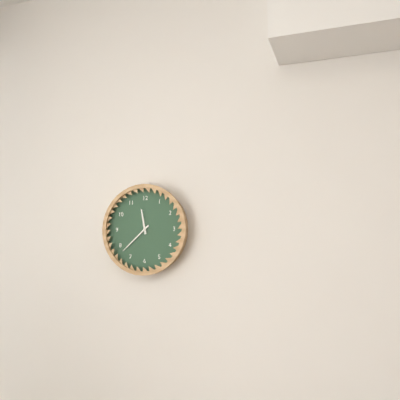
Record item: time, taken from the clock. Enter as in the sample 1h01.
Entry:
11h38
